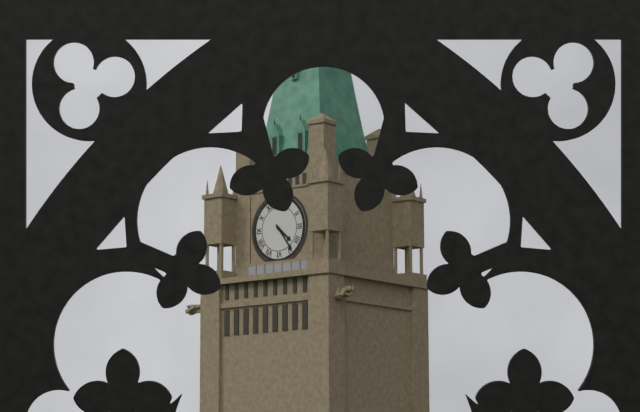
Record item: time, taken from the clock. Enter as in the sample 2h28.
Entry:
4h24
